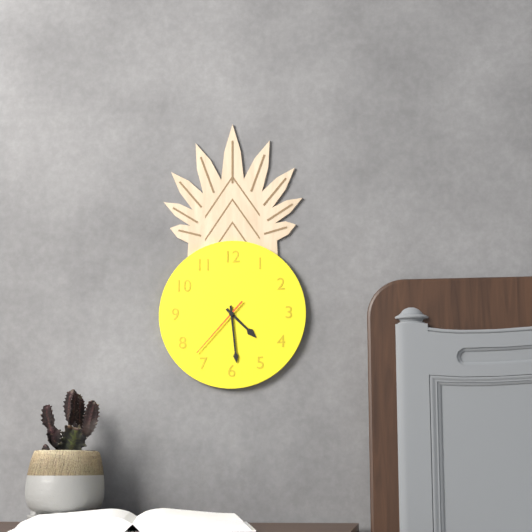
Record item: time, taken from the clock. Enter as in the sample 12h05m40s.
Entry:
4h29m37s
